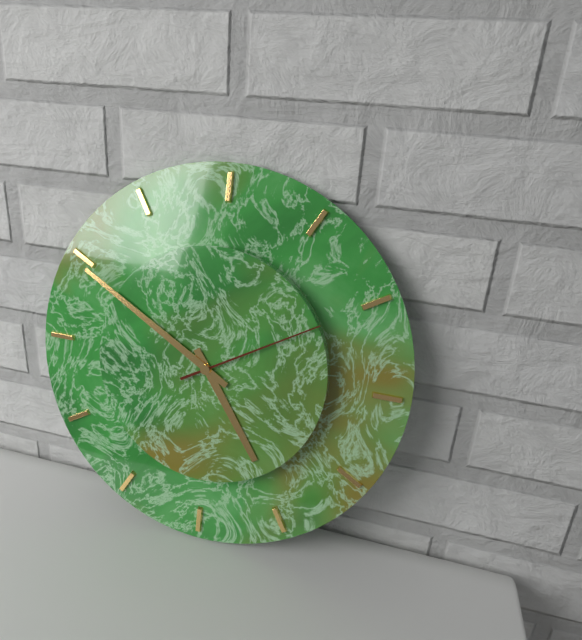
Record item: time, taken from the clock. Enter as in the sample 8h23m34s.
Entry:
4h50m10s
